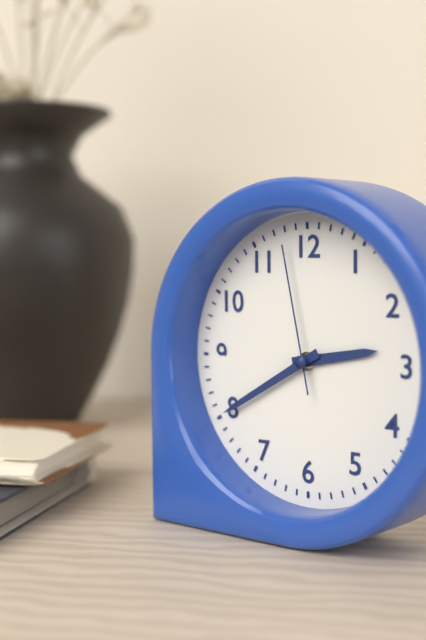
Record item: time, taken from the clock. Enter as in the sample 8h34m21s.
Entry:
2h40m58s
